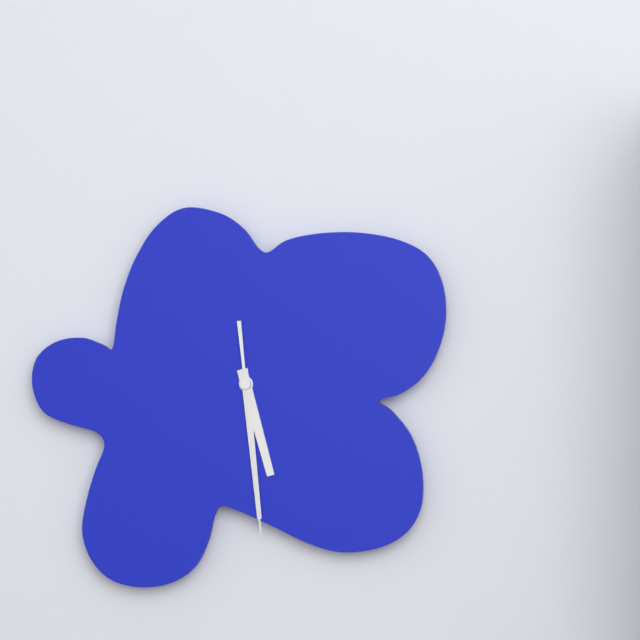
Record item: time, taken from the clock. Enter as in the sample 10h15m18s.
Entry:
5h29m29s
